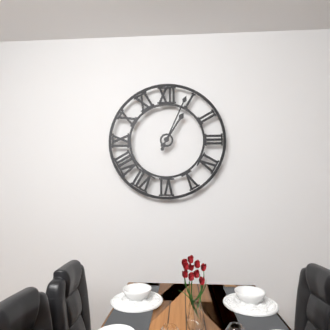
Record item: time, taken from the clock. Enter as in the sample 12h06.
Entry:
1h04
